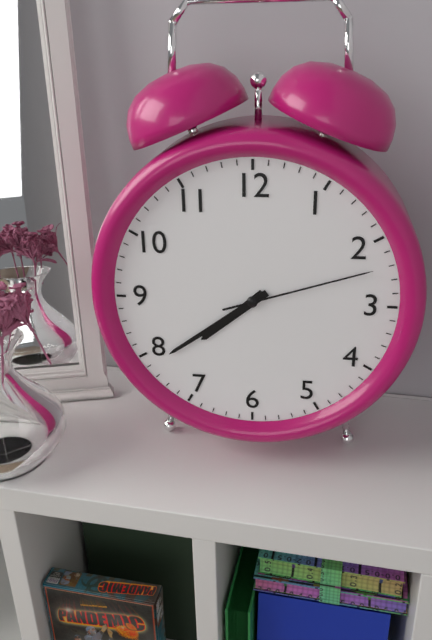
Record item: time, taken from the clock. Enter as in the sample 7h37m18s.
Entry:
7h39m12s
